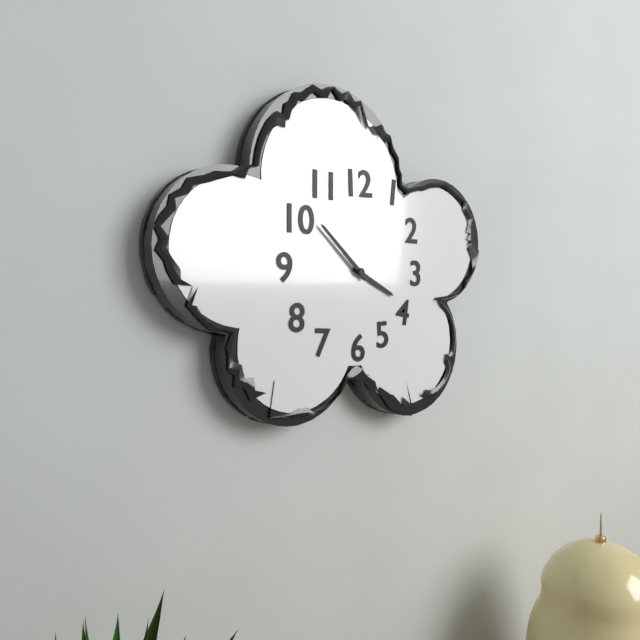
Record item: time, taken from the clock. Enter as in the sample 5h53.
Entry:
3h52
